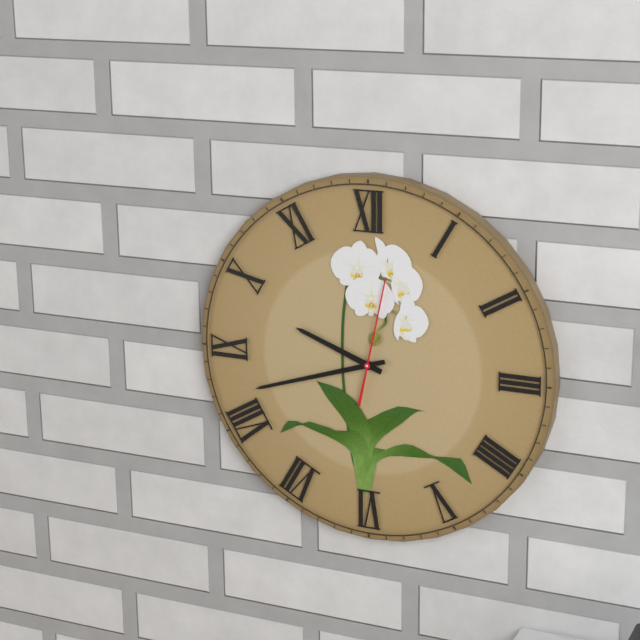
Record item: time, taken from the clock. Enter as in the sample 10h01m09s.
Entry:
9h42m02s
